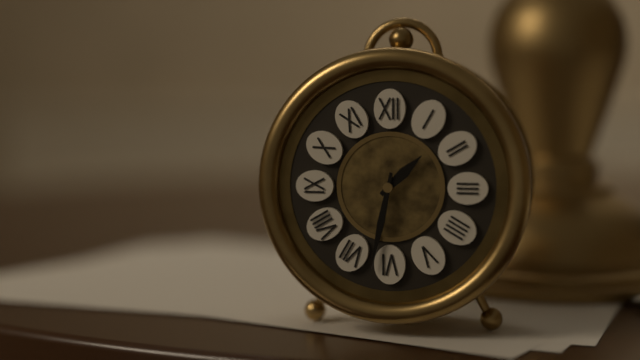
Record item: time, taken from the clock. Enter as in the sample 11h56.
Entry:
1h32
